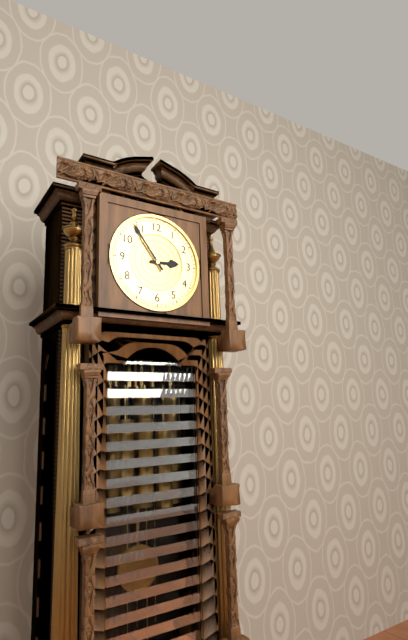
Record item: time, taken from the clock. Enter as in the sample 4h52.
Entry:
2h54
